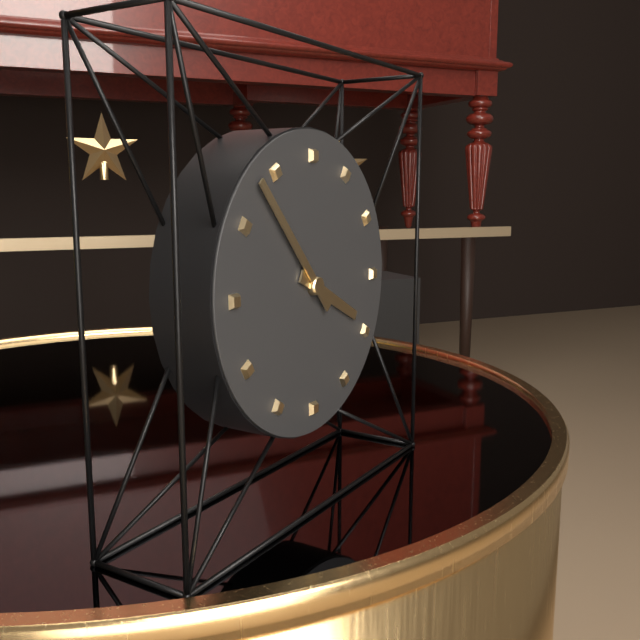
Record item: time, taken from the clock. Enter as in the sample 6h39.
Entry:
3h53
